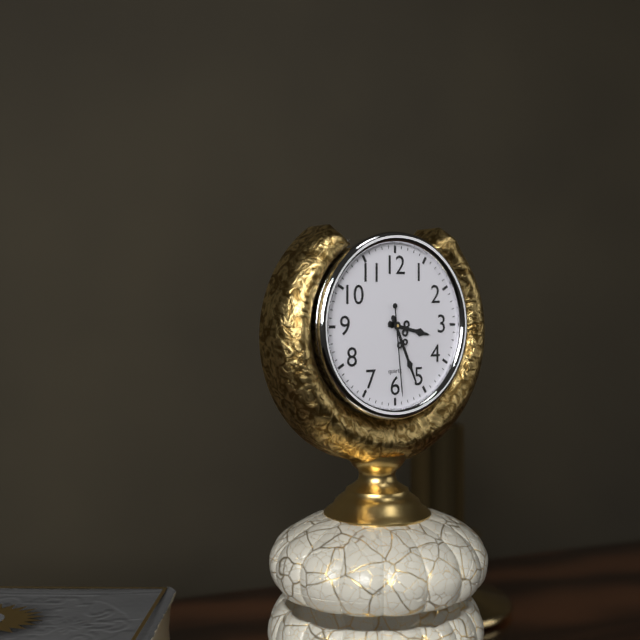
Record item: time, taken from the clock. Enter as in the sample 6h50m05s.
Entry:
3h26m29s
